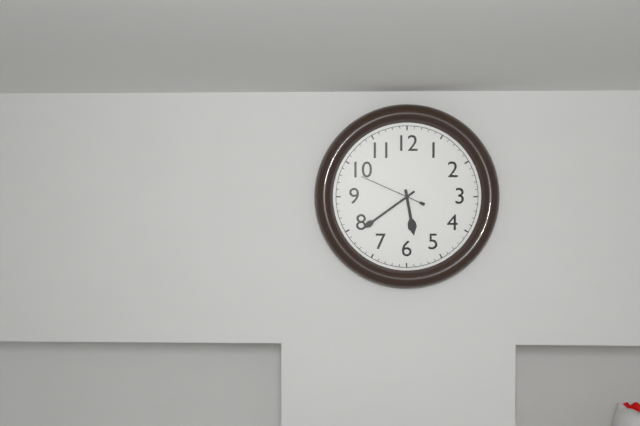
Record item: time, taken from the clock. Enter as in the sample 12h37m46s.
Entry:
5h39m49s
